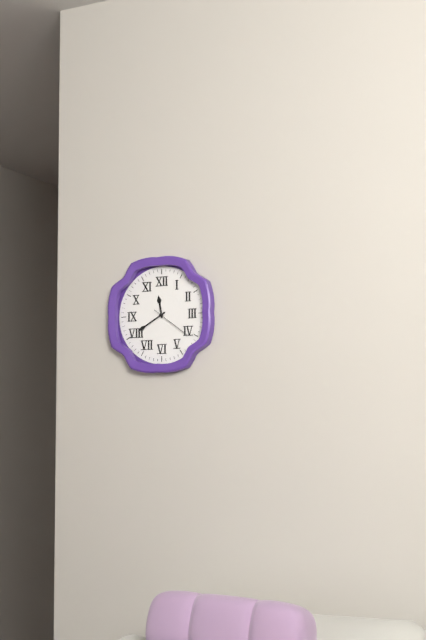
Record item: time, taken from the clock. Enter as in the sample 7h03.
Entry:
11h40
